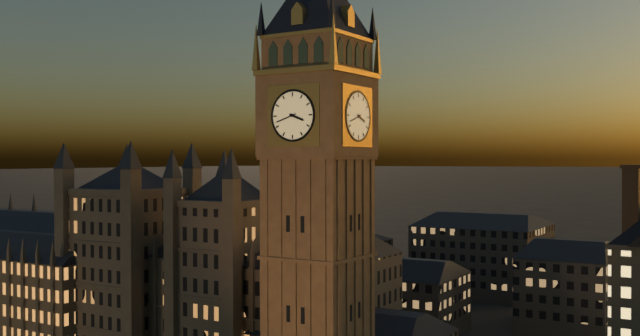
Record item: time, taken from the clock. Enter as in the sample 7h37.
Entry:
3h42
